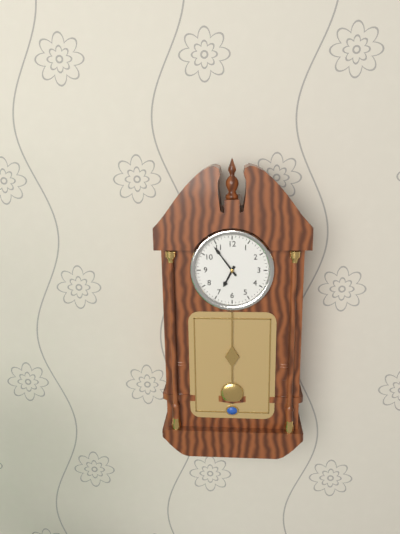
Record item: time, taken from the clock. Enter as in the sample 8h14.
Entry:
6h54
